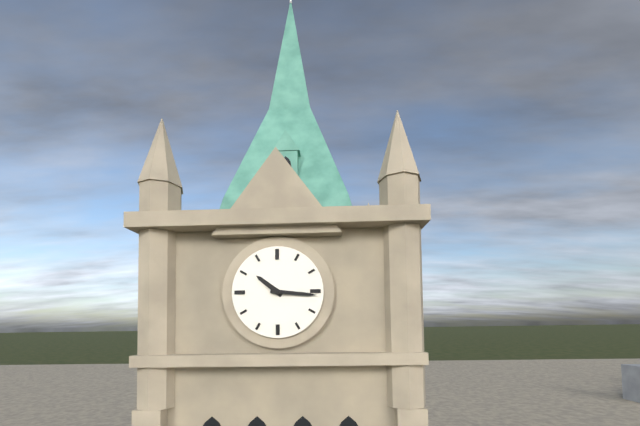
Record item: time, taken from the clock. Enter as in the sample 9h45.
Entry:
10h16
